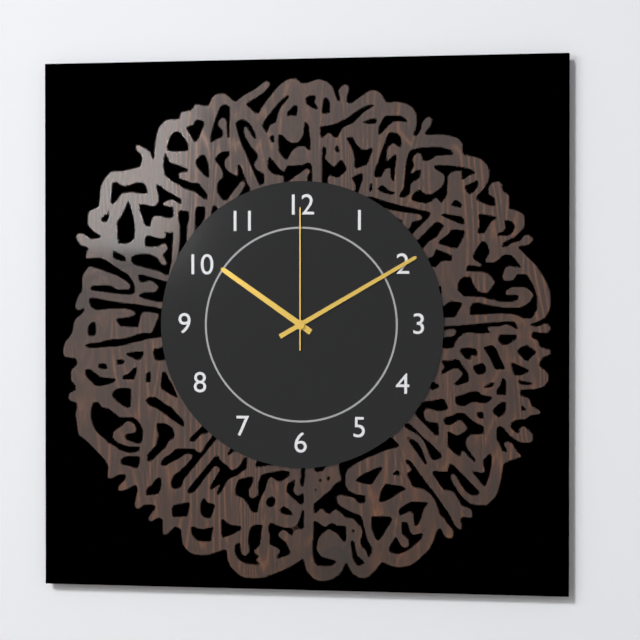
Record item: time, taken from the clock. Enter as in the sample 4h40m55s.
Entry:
10h10m00s
